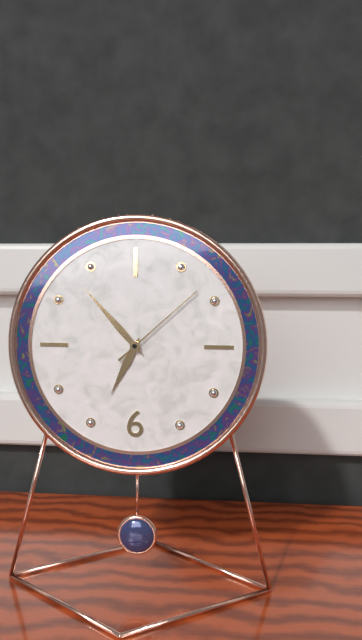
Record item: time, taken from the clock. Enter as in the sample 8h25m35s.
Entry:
6h53m08s
